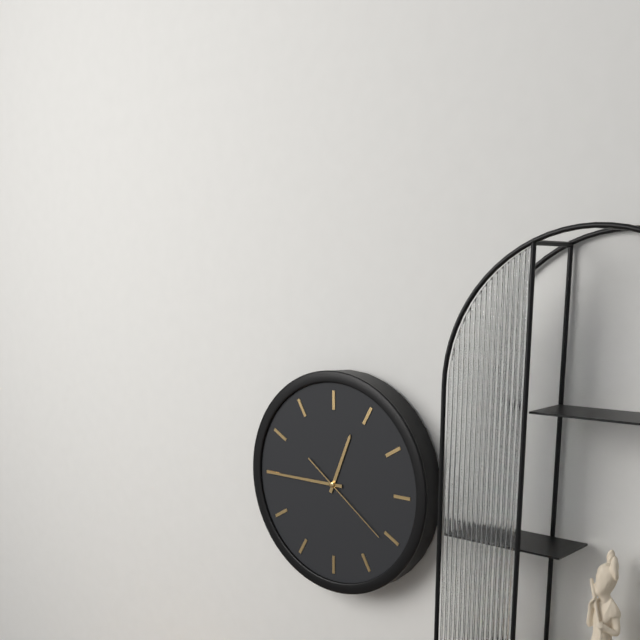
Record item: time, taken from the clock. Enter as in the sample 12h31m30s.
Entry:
12h45m21s
